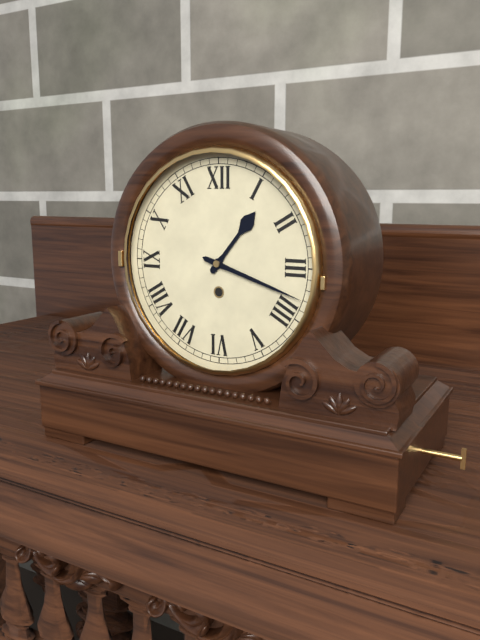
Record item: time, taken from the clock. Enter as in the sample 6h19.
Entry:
1h18
